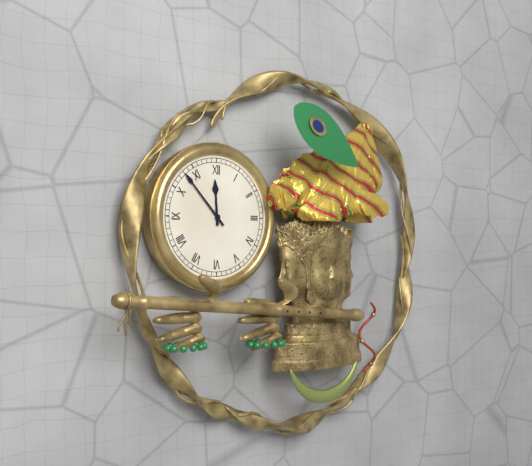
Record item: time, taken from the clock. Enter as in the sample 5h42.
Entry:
11h53
